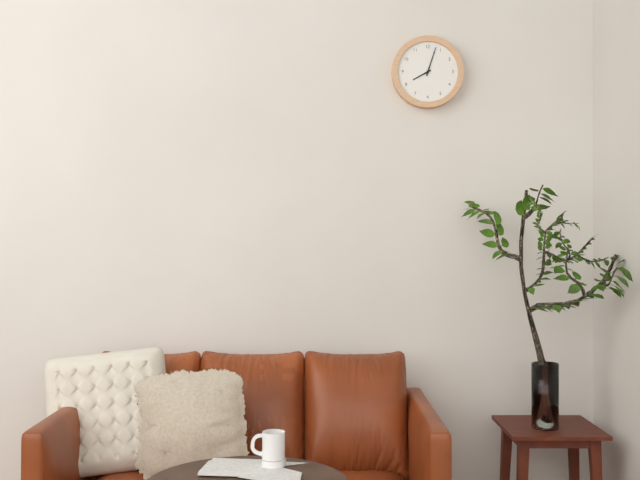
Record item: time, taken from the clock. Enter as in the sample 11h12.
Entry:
8h03
